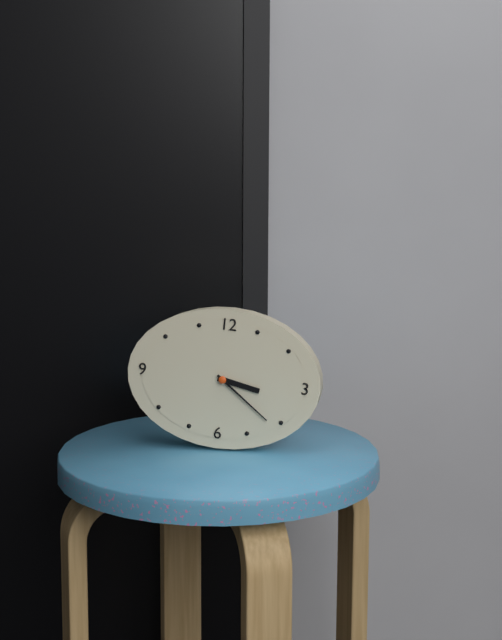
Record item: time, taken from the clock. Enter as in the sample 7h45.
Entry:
3h21
